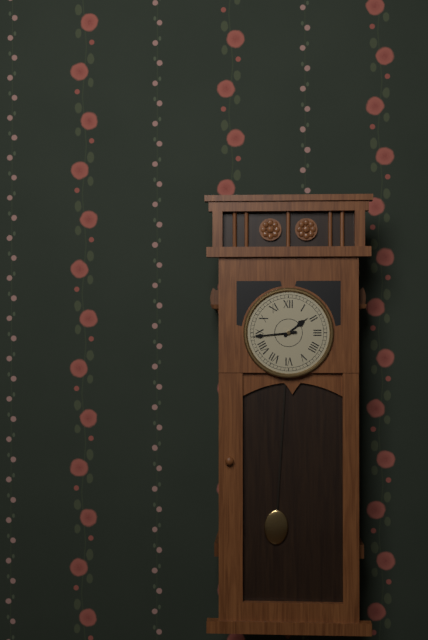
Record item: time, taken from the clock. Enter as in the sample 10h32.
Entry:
1h44
